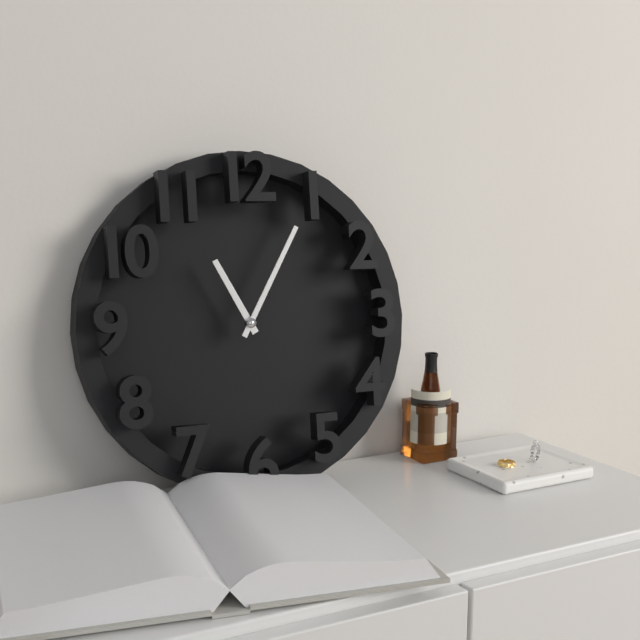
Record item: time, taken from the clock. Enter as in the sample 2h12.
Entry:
11h05
